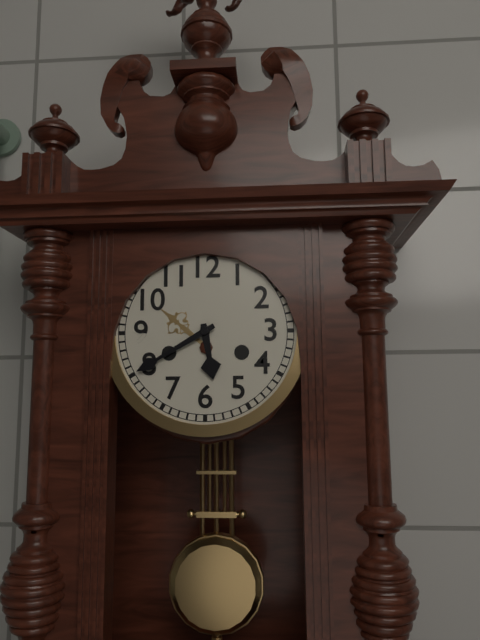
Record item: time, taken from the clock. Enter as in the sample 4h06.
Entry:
5h40
